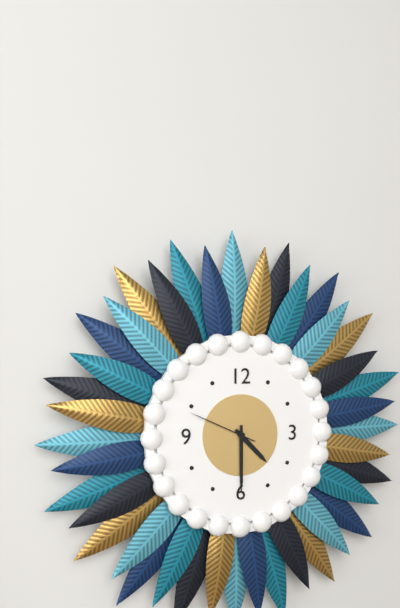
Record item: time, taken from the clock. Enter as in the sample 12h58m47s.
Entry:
4h30m49s
